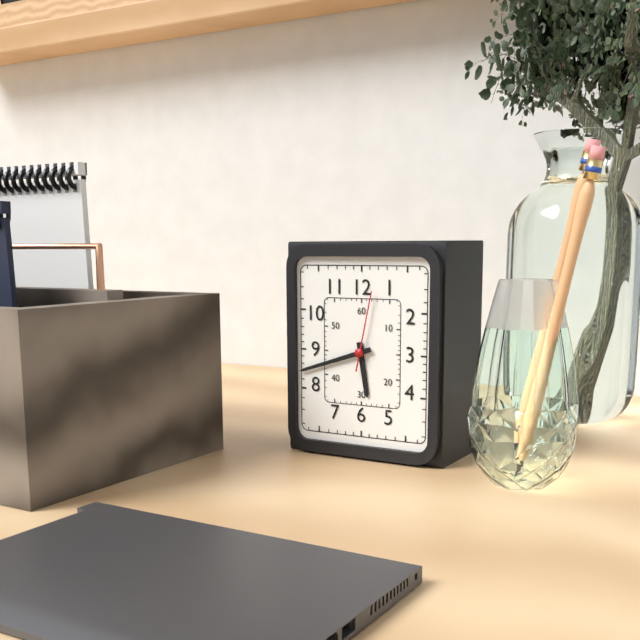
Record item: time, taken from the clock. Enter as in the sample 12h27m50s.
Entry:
5h42m02s
